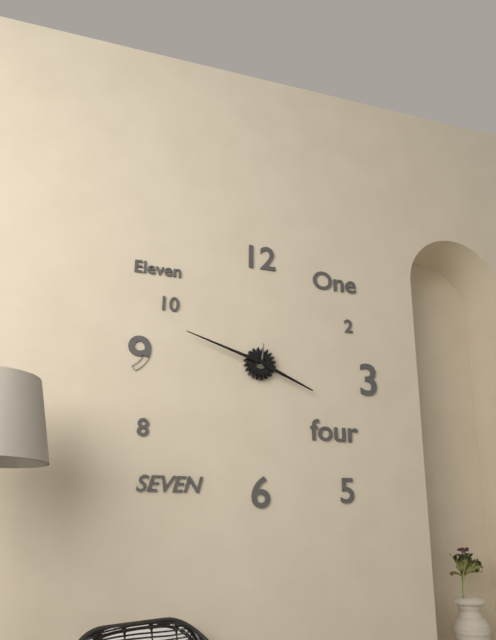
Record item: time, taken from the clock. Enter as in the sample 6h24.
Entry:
3h48
